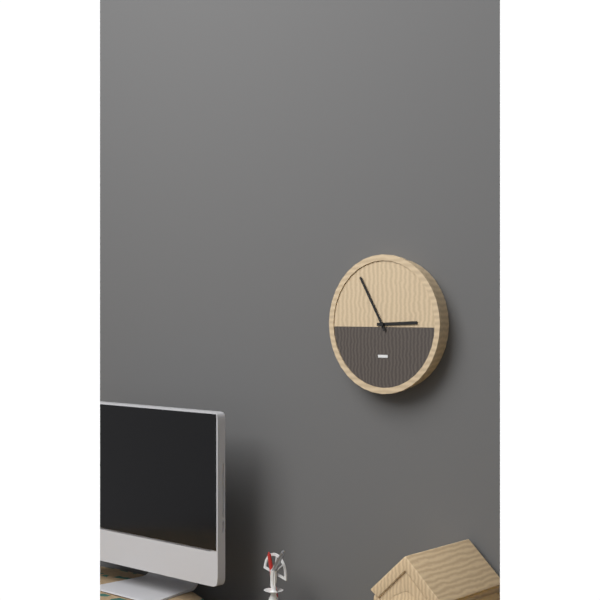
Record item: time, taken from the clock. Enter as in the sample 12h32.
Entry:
2h55
